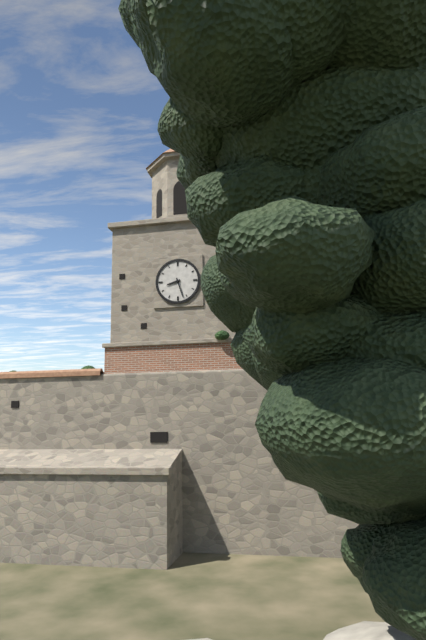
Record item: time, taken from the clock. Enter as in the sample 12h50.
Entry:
8h27
